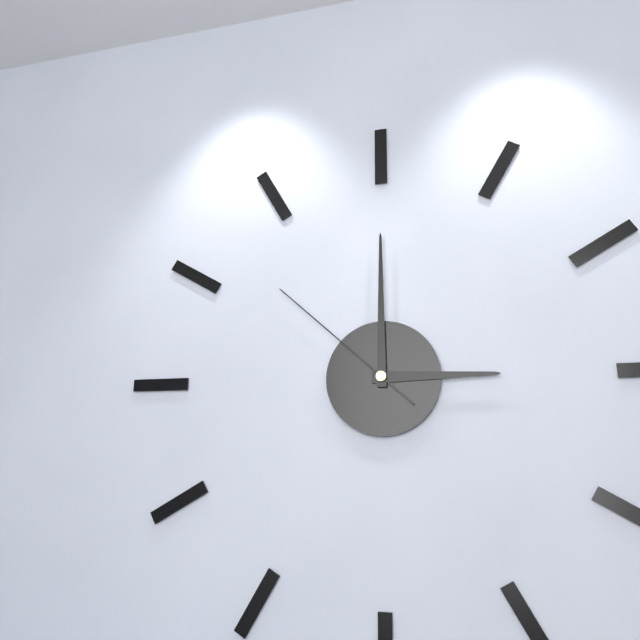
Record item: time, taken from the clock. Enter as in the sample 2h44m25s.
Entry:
3h00m52s
